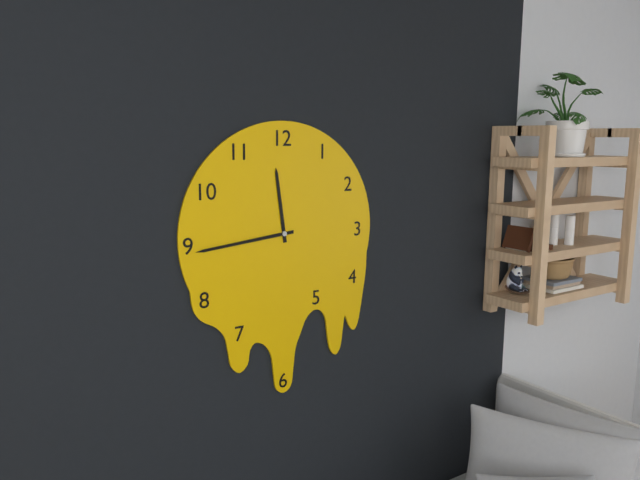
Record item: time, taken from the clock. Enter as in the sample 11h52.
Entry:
11h44
